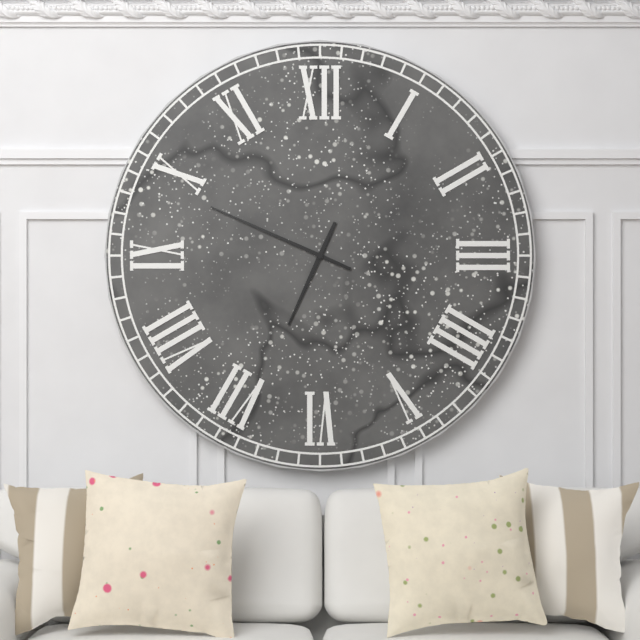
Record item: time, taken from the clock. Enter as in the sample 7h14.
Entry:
6h49
